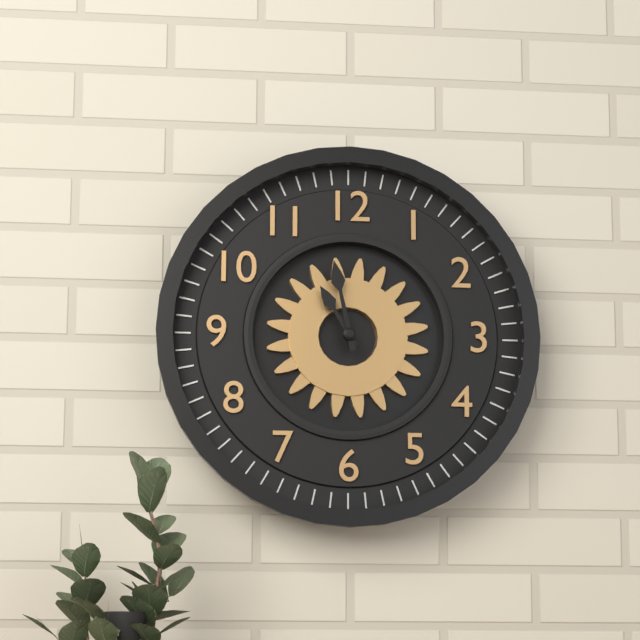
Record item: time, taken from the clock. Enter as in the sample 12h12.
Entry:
10h58
